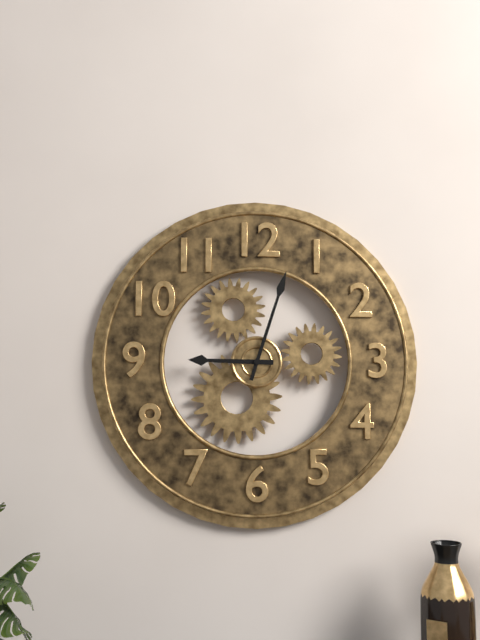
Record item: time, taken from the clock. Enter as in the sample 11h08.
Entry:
9h03
